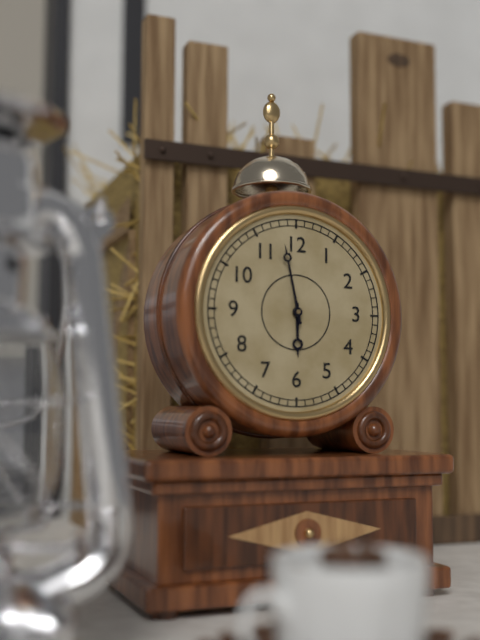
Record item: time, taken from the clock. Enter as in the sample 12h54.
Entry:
5h58
